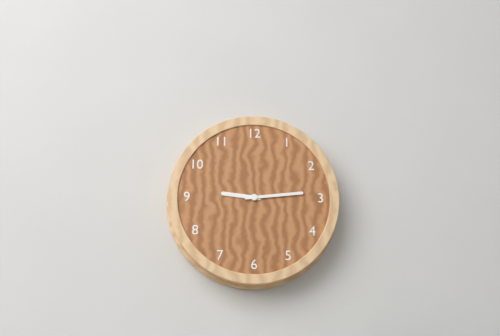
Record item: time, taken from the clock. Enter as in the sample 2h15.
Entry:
9h14
